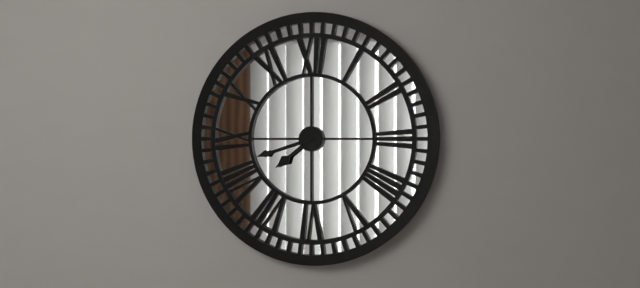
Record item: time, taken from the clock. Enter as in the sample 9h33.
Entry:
7h42
